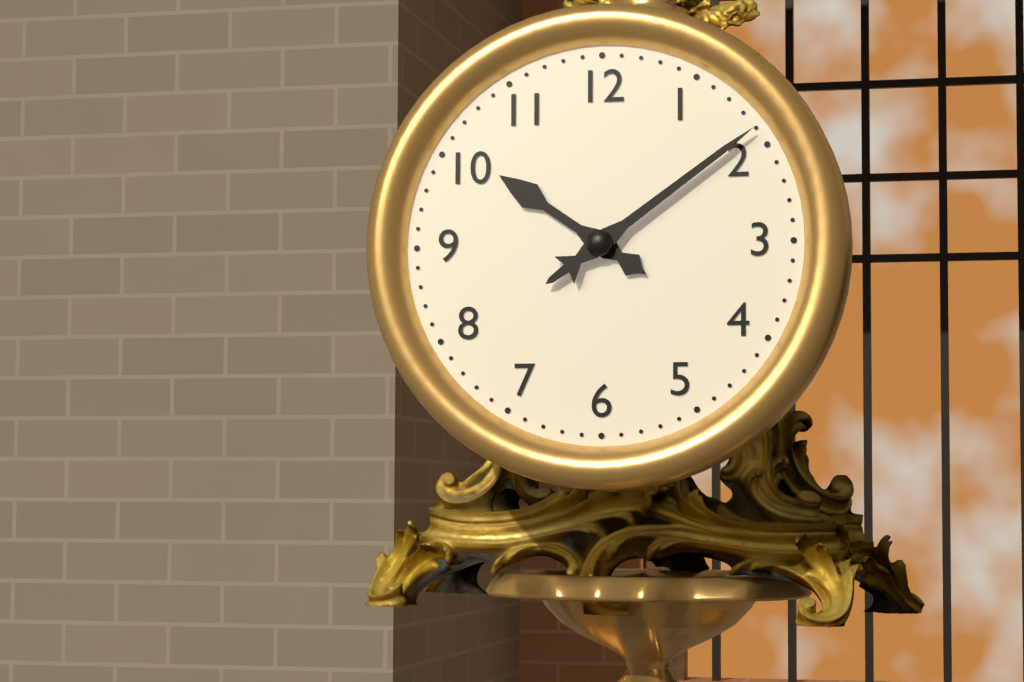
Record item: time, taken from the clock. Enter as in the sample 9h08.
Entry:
10h09
